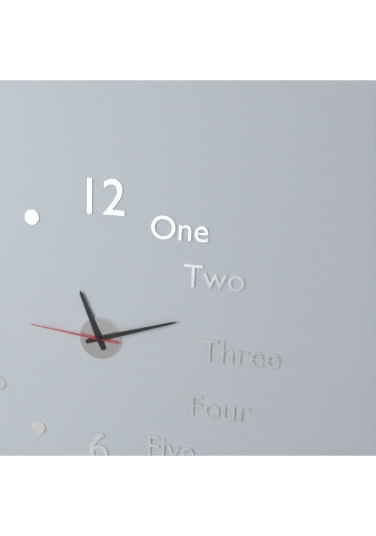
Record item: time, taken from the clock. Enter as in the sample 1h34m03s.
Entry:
11h12m46s
